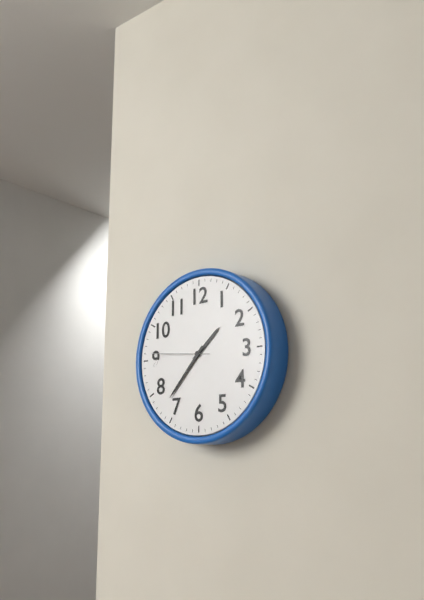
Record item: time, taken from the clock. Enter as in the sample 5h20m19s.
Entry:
1h37m46s
